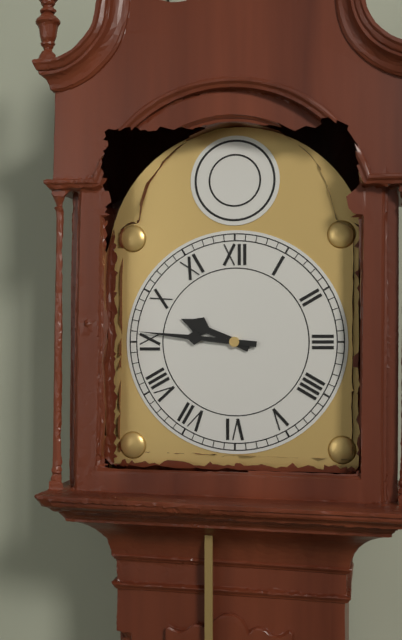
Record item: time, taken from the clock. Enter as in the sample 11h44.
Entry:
9h46
